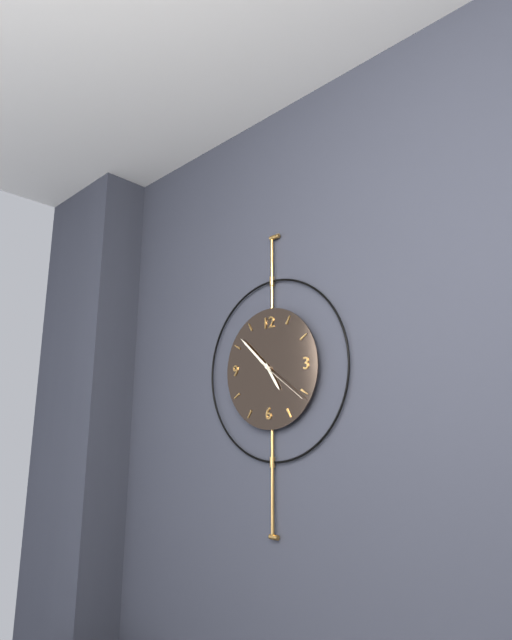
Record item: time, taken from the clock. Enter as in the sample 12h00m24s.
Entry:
4h52m21s
